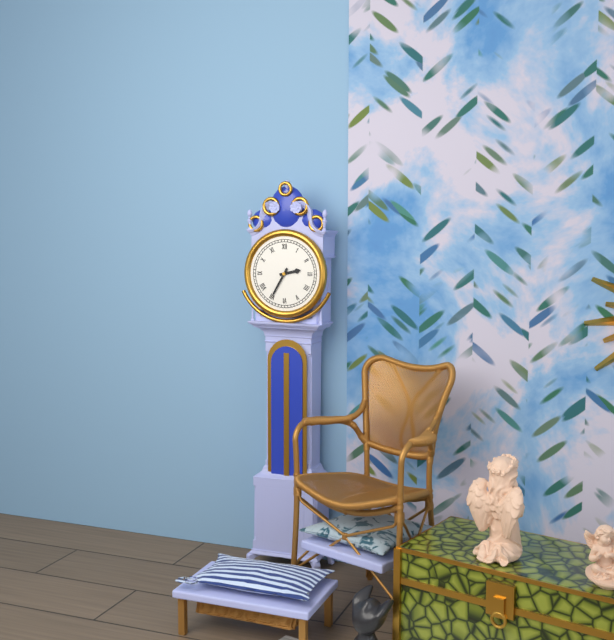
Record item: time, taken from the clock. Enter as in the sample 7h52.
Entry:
2h35
